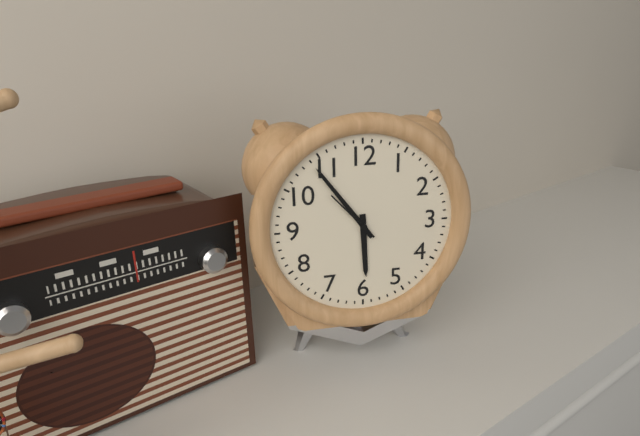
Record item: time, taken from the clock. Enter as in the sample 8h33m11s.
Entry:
5h54m53s
